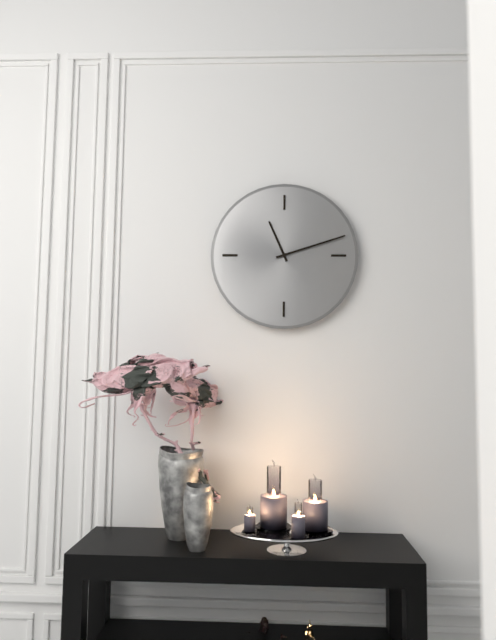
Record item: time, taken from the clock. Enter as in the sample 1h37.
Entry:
11h12
